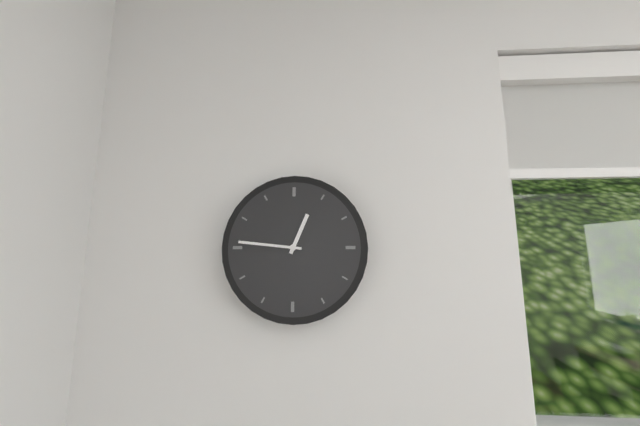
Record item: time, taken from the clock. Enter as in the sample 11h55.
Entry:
12h46
